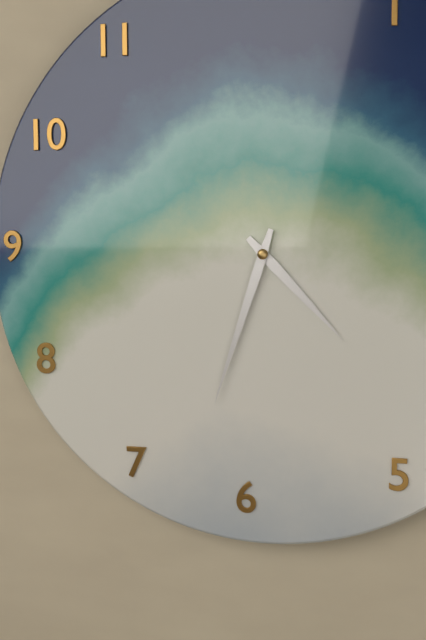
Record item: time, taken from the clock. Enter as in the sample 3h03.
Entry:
4h33
